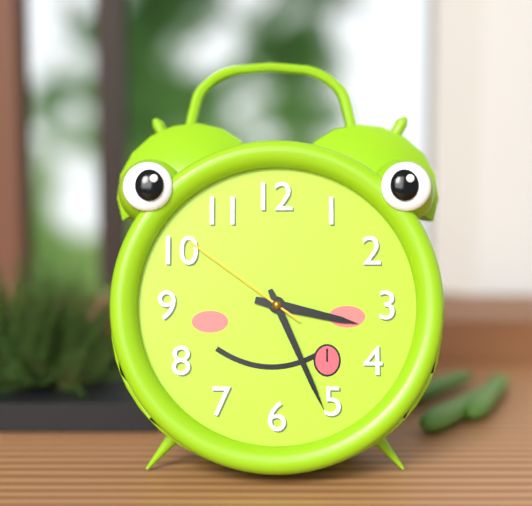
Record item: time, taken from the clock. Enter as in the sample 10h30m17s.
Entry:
3h26m51s
